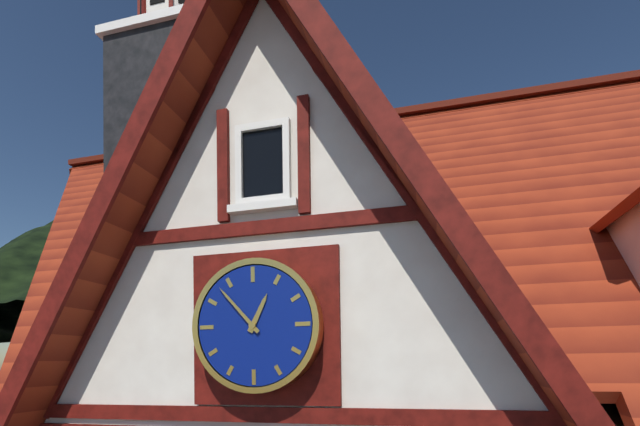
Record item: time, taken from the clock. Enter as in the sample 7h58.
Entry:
12h53
